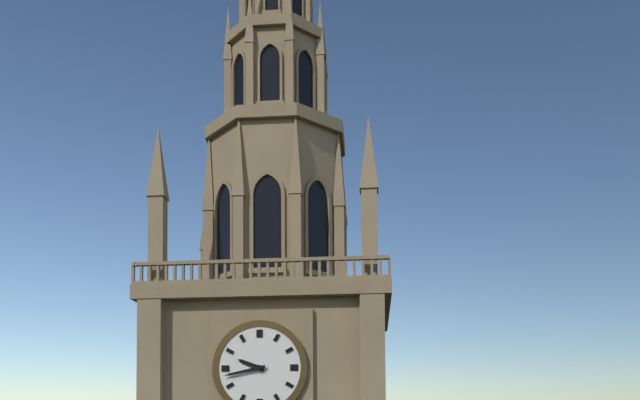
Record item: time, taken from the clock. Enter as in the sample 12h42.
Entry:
9h43
